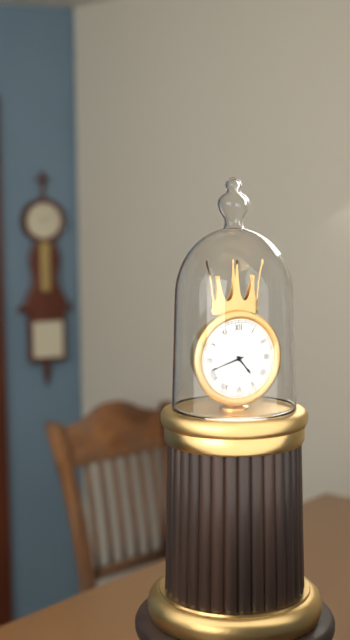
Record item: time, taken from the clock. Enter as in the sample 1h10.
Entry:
4h42
